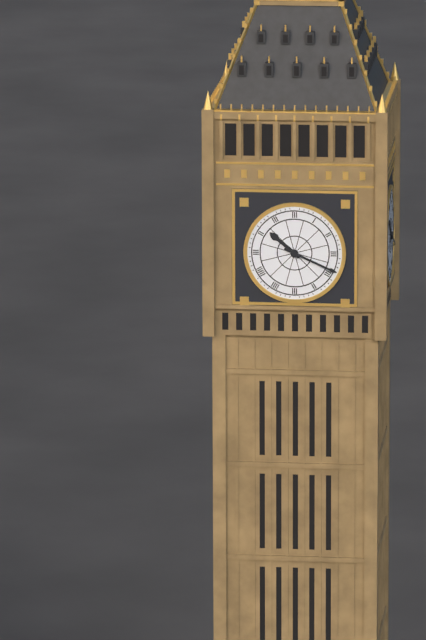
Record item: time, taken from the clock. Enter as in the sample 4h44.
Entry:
10h19
